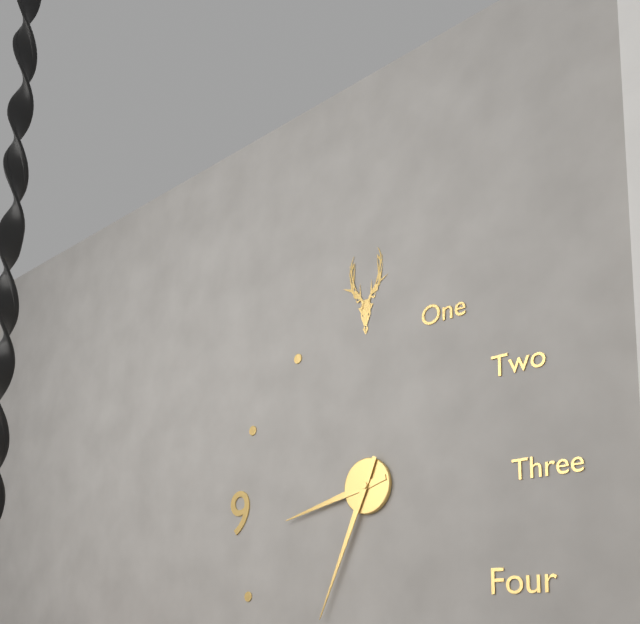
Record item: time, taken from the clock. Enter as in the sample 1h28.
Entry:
8h34
